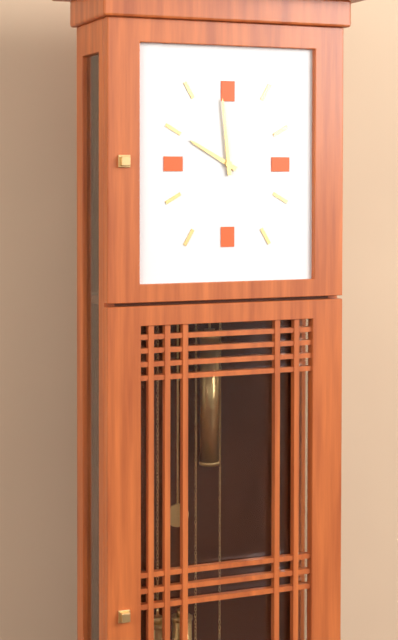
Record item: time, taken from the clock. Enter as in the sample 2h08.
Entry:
9h59
